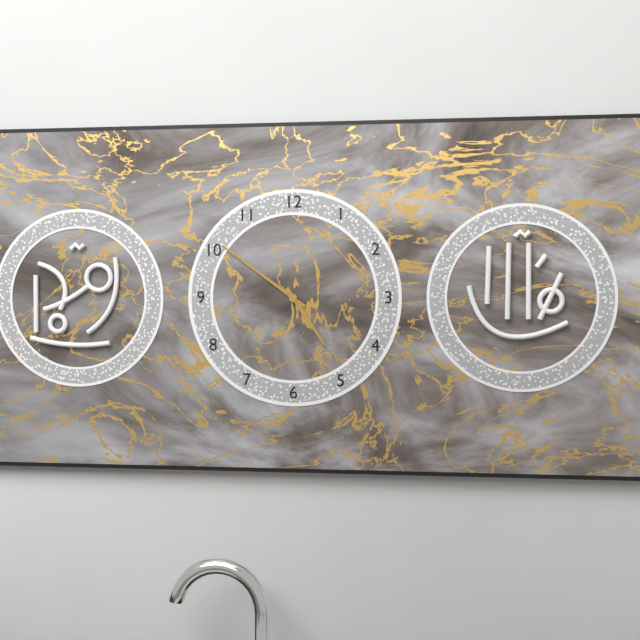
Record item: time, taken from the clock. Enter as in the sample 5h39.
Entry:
4h51
